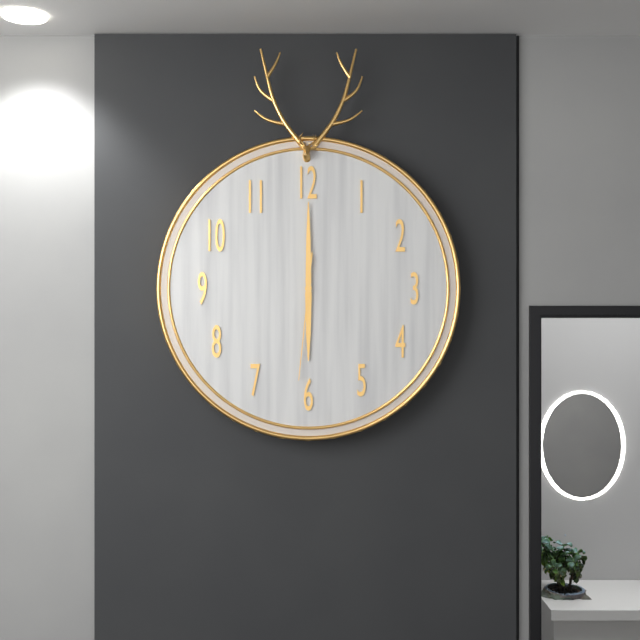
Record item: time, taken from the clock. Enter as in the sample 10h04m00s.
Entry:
6h00m31s
